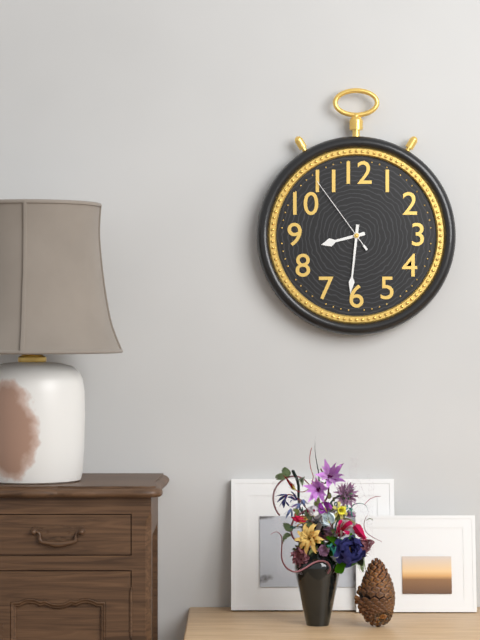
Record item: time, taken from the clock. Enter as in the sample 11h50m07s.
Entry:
8h31m54s
